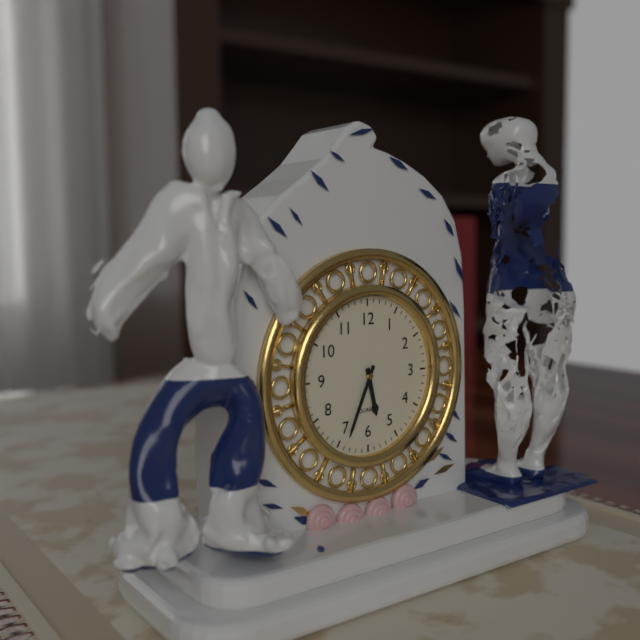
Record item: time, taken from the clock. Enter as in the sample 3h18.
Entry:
5h34
